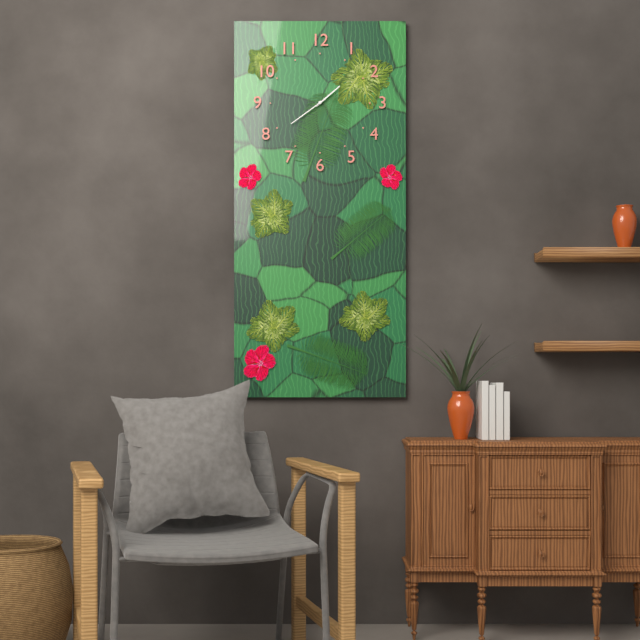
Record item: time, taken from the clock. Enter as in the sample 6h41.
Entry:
1h39
